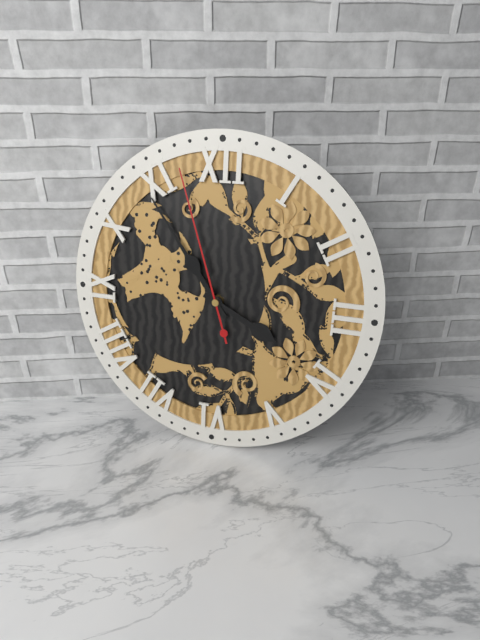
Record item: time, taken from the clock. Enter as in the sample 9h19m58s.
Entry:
3h54m57s
